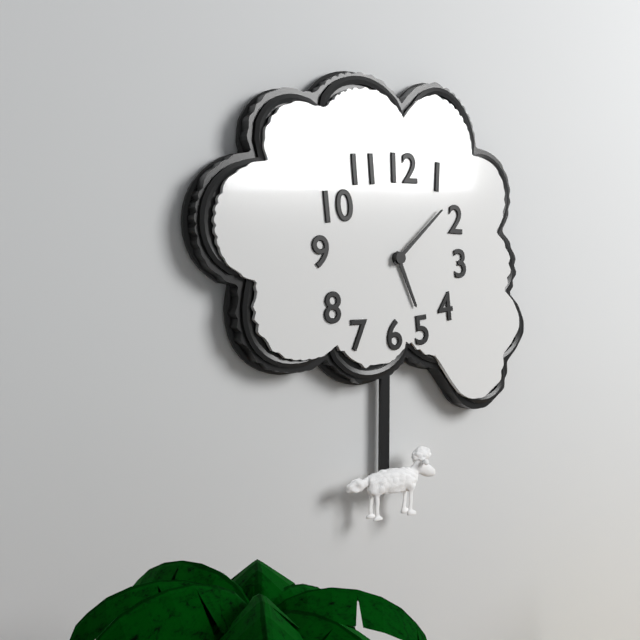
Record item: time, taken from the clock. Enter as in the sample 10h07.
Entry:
5h08
